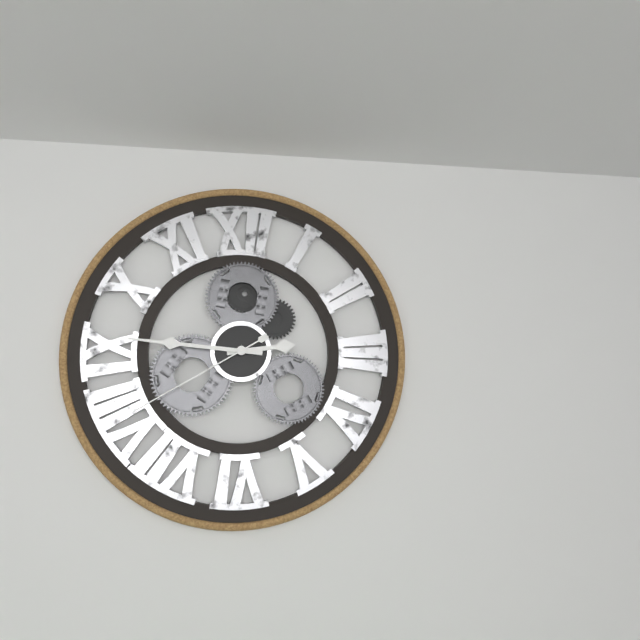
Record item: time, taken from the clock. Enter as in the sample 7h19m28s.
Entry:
2h46m40s
